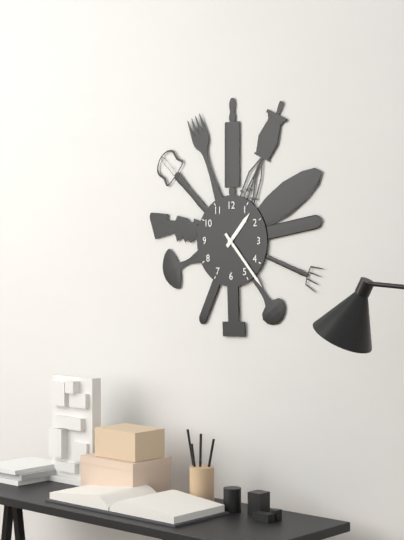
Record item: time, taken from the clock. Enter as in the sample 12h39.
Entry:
1h23
